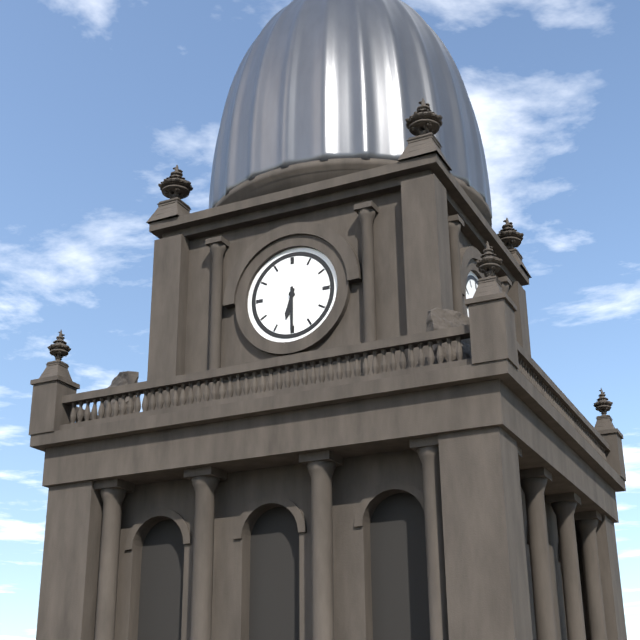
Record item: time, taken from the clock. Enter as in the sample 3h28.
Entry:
6h30
